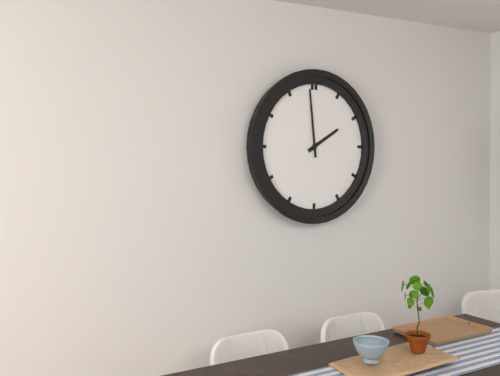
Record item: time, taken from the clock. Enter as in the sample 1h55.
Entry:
1h59
